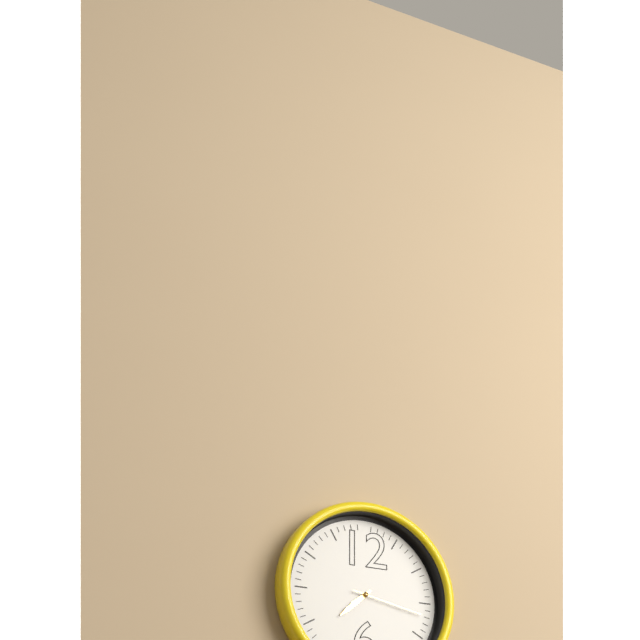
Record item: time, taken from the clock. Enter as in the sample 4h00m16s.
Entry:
7h38m17s
